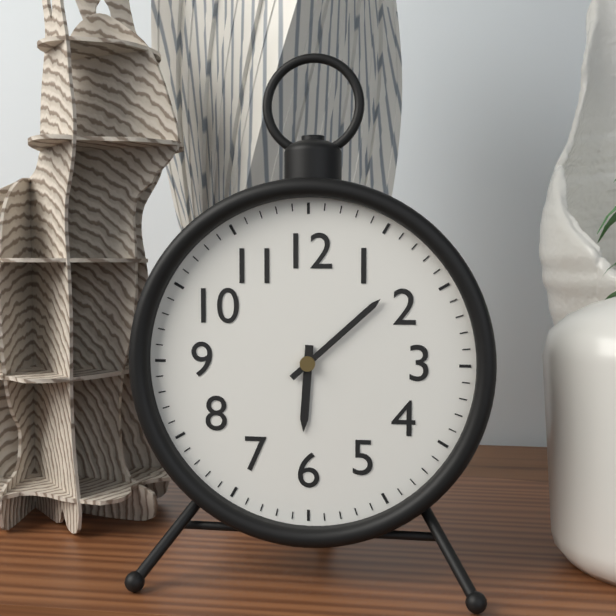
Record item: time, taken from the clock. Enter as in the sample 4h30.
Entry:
6h08
